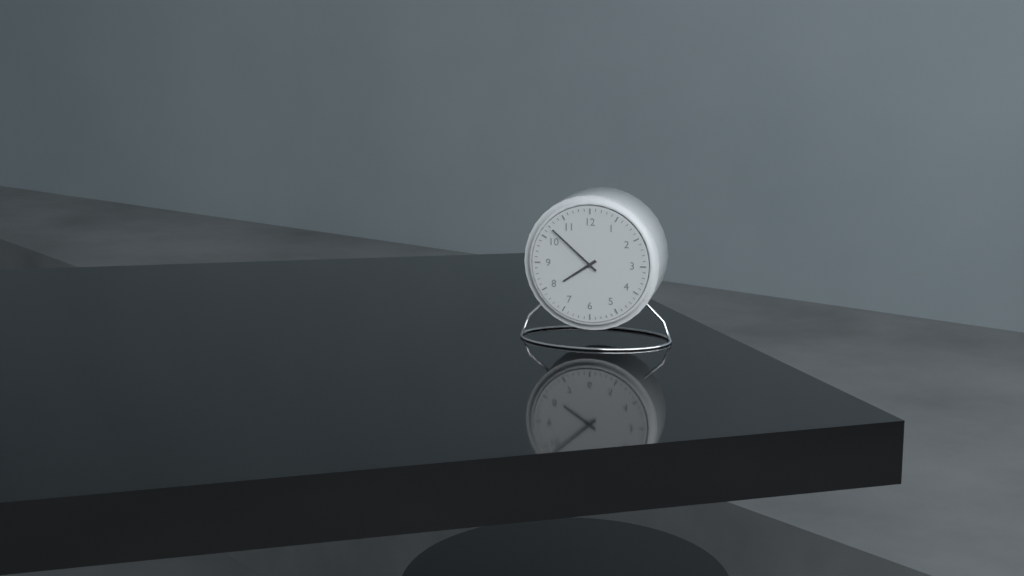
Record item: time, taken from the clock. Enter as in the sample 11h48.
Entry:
7h52
